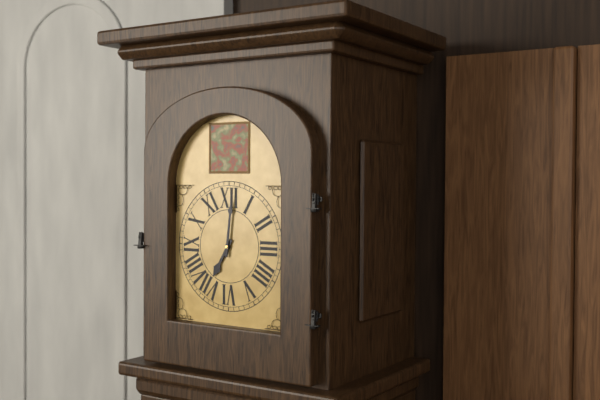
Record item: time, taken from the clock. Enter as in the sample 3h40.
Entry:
7h01
